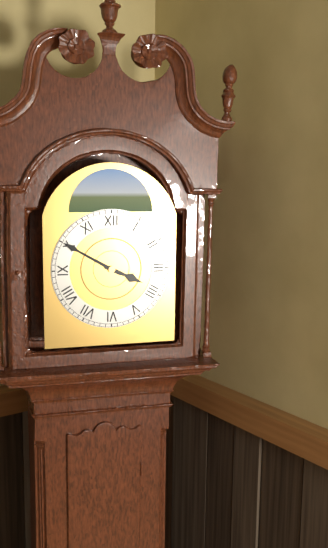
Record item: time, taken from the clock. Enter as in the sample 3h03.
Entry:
3h50
